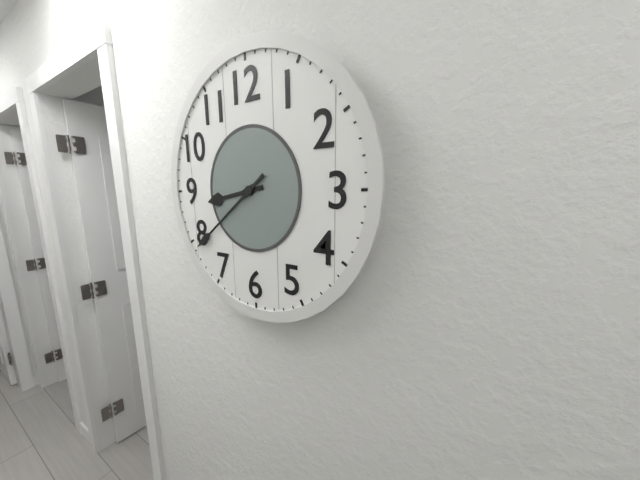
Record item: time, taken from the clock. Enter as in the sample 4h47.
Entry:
8h39
